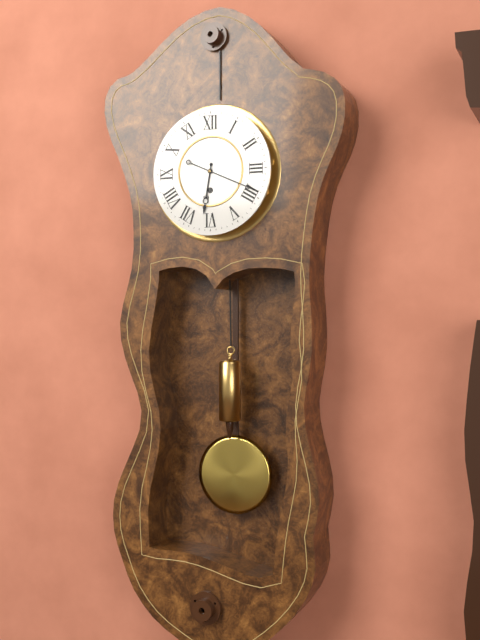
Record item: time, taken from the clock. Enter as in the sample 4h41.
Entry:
6h19
